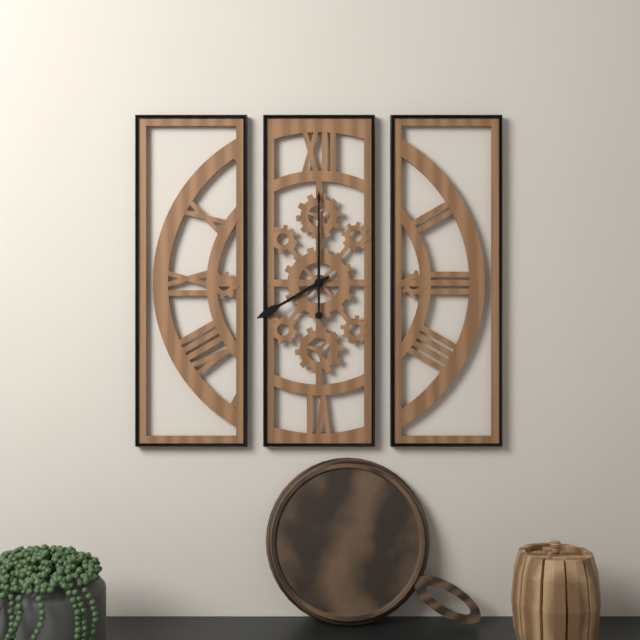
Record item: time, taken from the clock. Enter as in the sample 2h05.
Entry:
8h00
